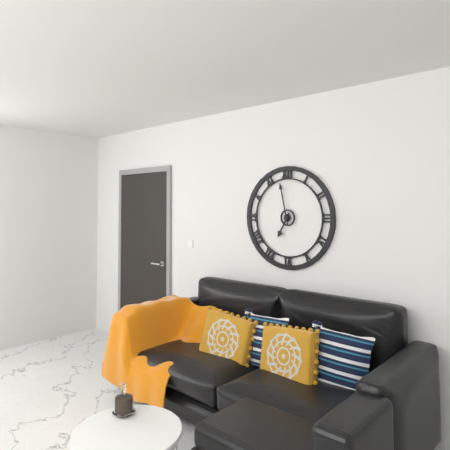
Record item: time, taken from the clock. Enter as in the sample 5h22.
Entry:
6h58
